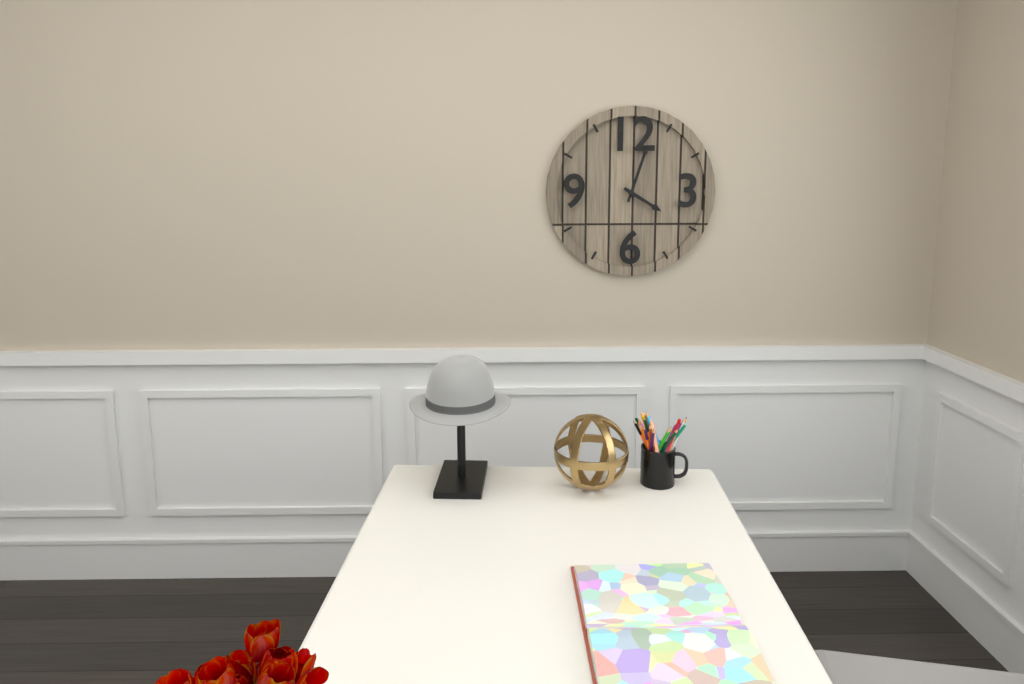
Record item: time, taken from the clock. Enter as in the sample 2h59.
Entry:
4h03
